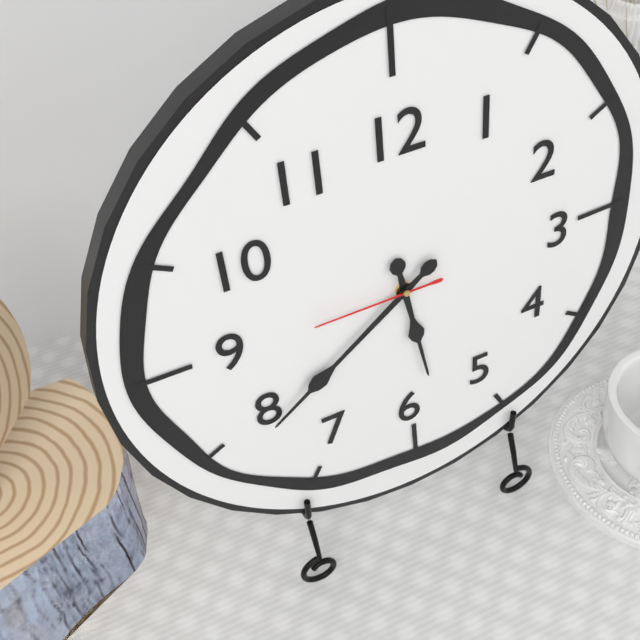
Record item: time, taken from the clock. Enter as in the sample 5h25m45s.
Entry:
5h39m45s
